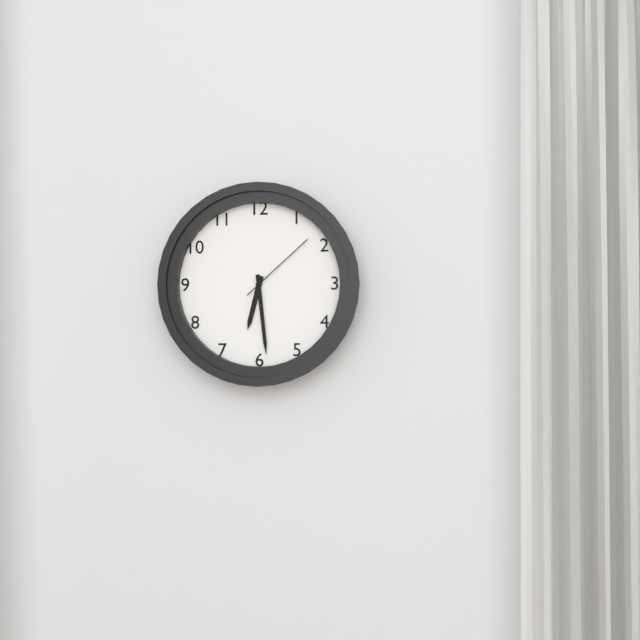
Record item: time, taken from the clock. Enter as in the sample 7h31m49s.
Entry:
6h29m08s
